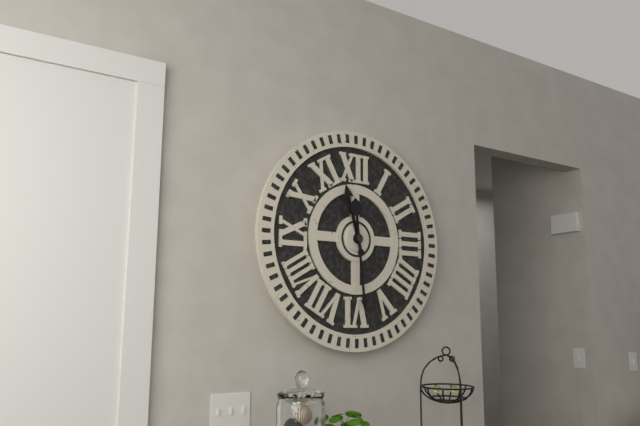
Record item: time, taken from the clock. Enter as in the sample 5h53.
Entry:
11h29
